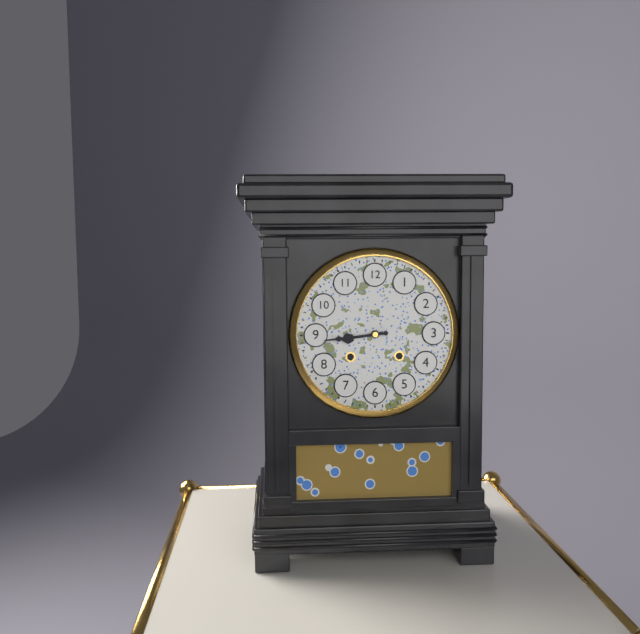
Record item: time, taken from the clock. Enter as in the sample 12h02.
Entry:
8h44
